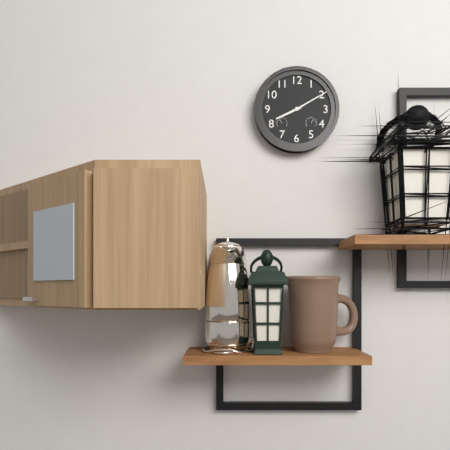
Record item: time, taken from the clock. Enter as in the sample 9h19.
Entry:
8h10
